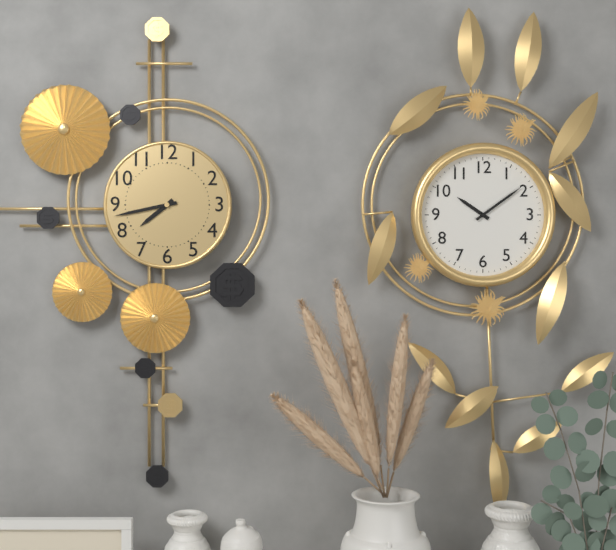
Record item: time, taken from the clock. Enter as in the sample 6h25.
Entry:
7h43
